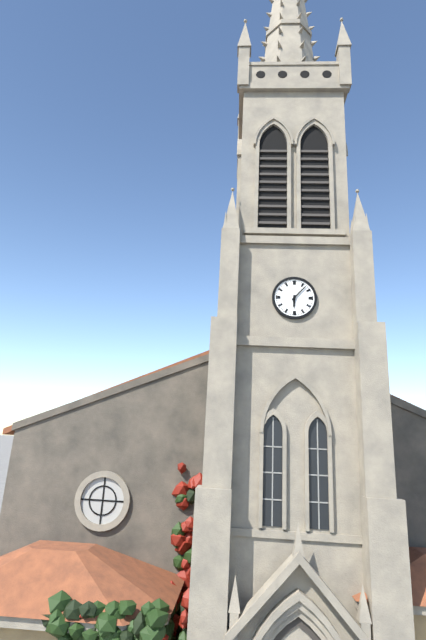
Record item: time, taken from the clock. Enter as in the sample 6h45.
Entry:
6h07
